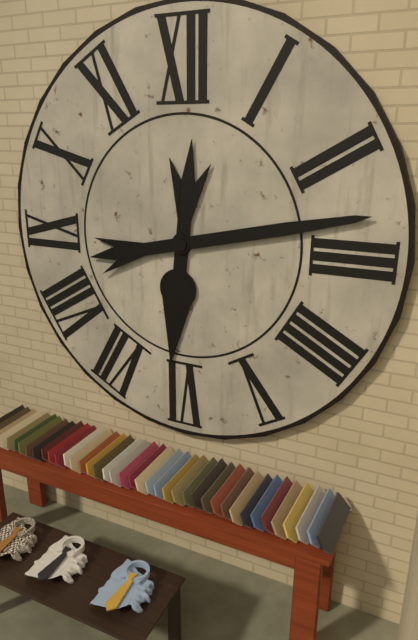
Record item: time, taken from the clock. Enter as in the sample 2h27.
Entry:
6h13
